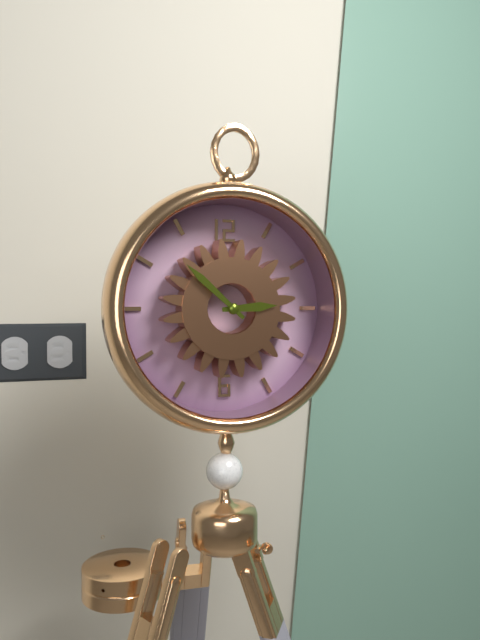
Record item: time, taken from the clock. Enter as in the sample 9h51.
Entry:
2h52
